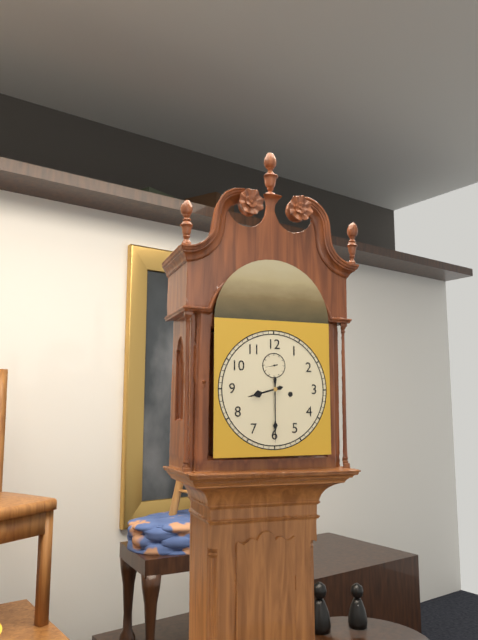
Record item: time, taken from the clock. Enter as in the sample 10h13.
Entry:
8h30
